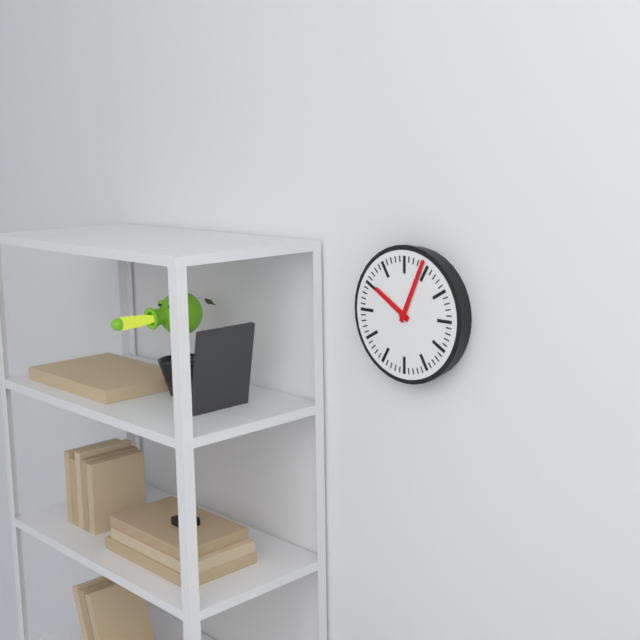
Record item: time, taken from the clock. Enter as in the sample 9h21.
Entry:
10h04
